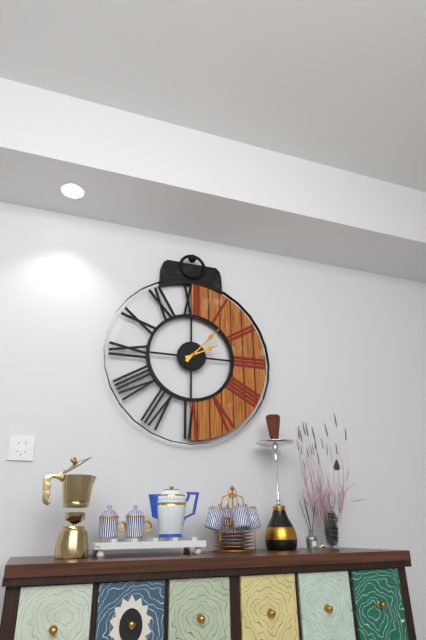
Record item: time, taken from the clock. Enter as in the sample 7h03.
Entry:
2h07
